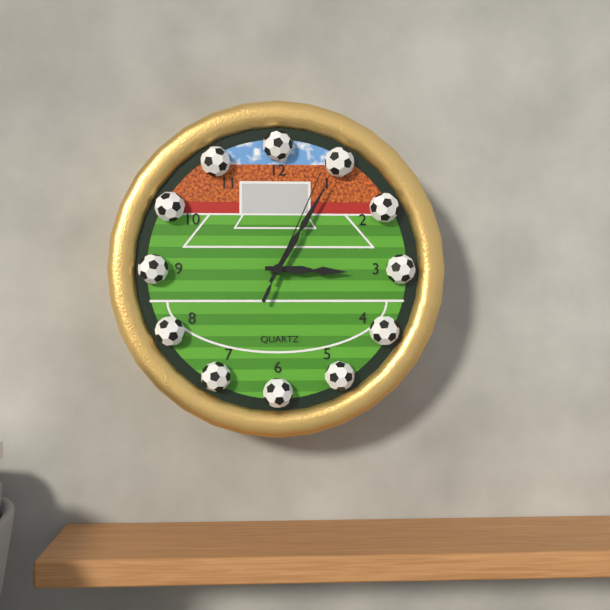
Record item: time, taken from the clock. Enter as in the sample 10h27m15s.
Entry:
3h05m04s
